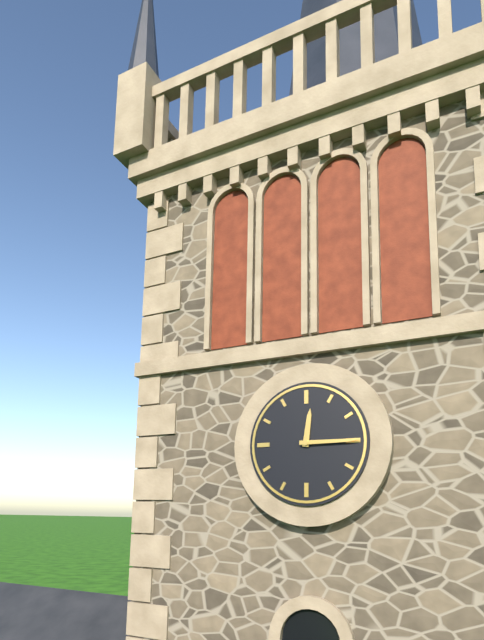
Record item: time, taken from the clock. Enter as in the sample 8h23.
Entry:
12h15
